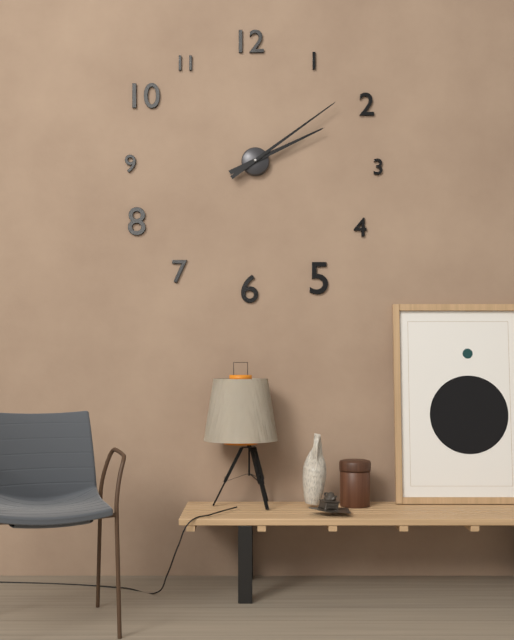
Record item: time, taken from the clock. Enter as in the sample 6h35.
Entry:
2h09
